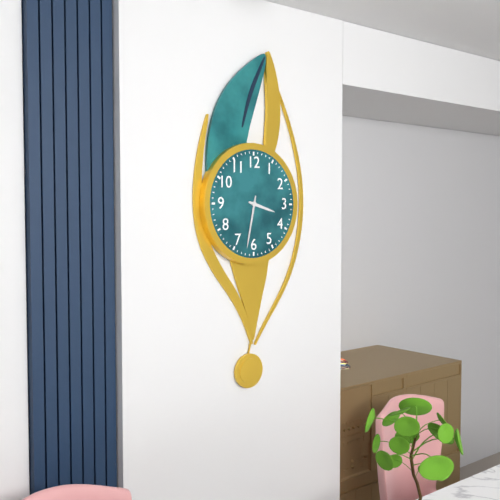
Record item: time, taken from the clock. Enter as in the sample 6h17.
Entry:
3h32
